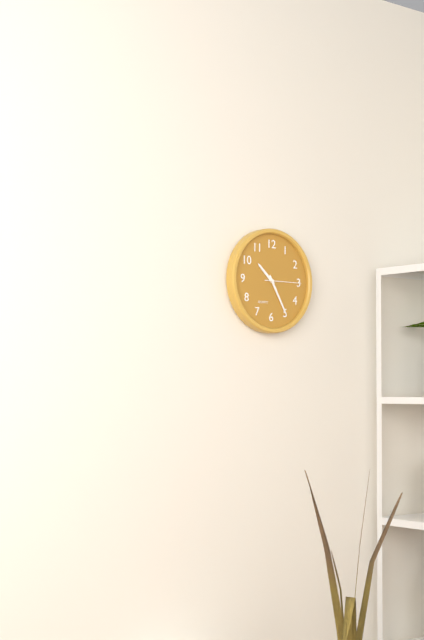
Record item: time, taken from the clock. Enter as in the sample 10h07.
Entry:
10h25
